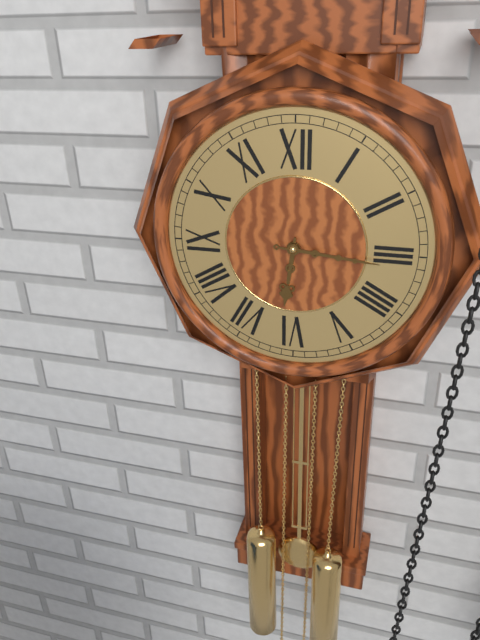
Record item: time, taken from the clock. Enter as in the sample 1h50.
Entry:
6h16
